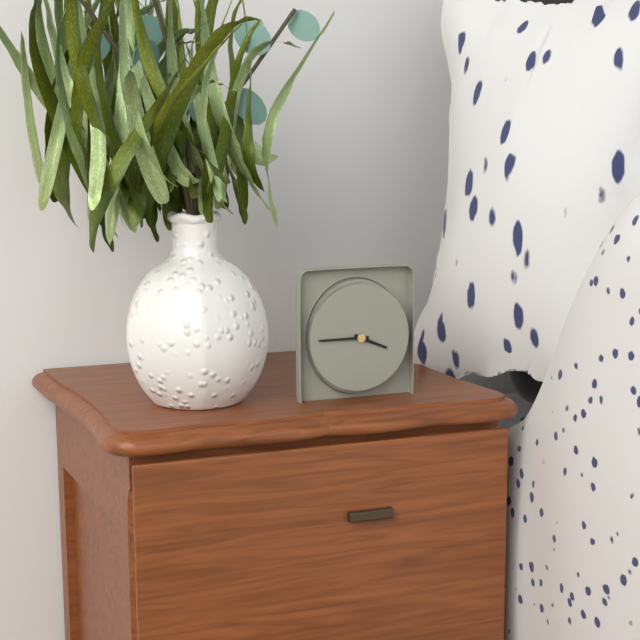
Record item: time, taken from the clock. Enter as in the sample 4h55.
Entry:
3h45
